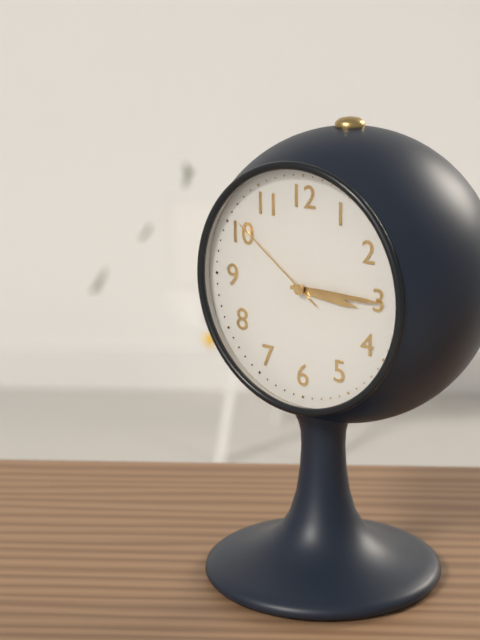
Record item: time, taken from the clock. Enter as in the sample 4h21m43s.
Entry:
3h15m51s
